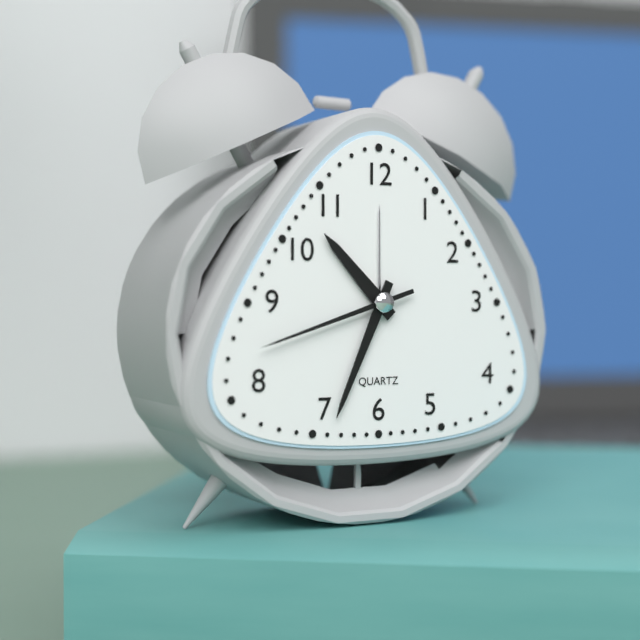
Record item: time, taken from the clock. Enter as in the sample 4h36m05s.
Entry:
10h34m42s
